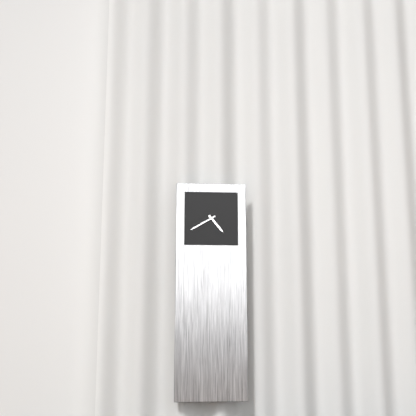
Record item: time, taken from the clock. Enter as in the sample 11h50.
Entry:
4h40
